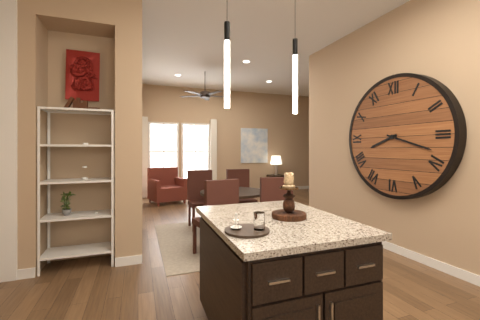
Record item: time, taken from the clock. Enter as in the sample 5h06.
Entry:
8h18
